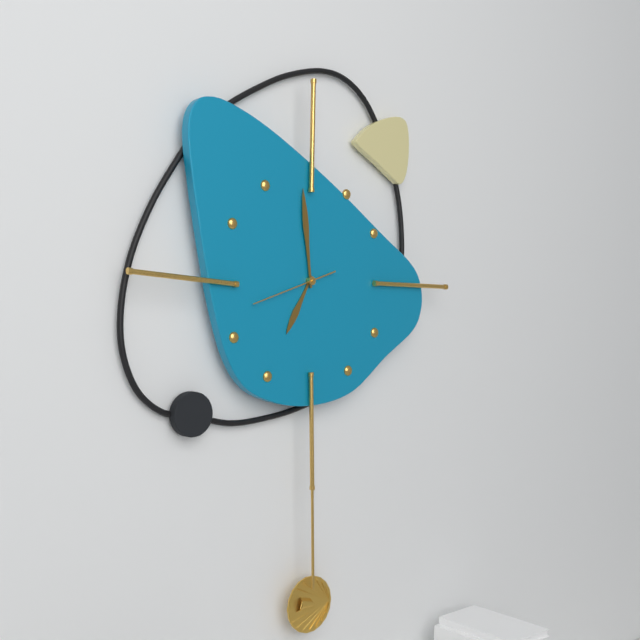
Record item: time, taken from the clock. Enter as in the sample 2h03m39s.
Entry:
6h59m42s
